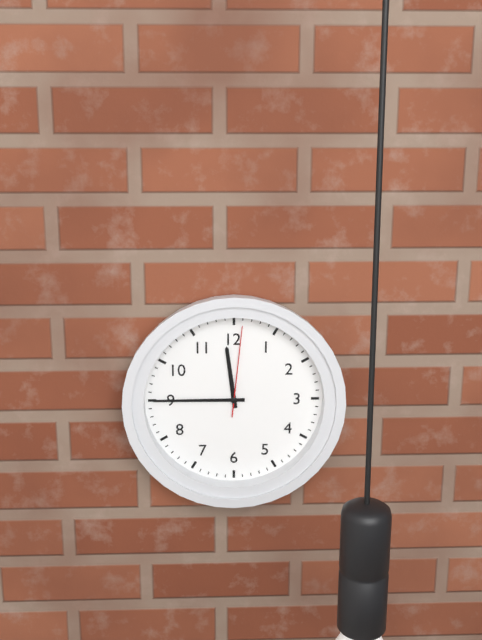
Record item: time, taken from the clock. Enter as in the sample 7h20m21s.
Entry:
11h45m01s
